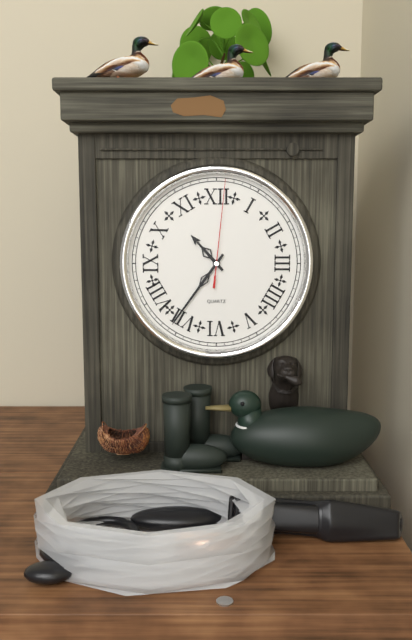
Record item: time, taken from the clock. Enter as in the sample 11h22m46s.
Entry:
10h36m01s
